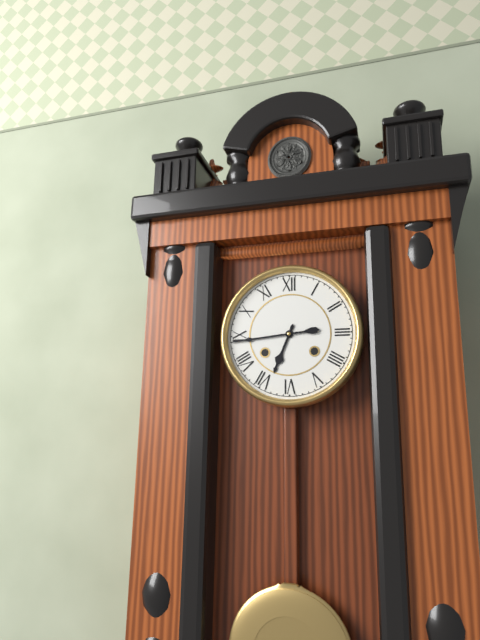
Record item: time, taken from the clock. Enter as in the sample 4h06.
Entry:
6h44
